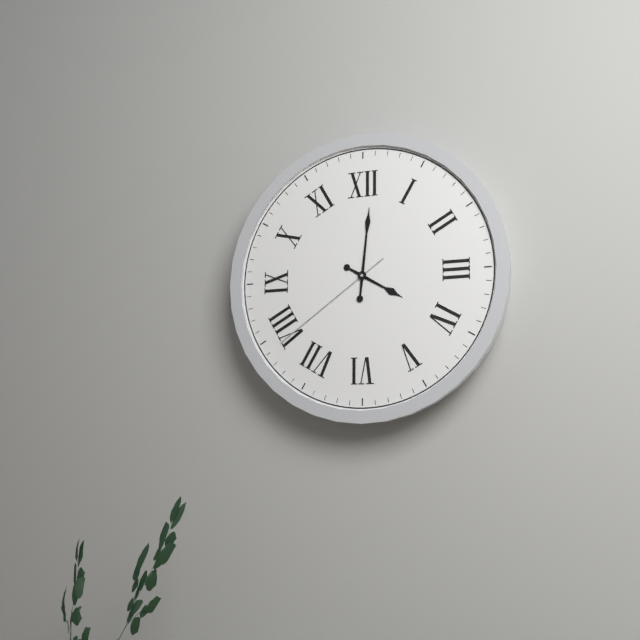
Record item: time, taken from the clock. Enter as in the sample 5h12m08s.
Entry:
4h01m39s
